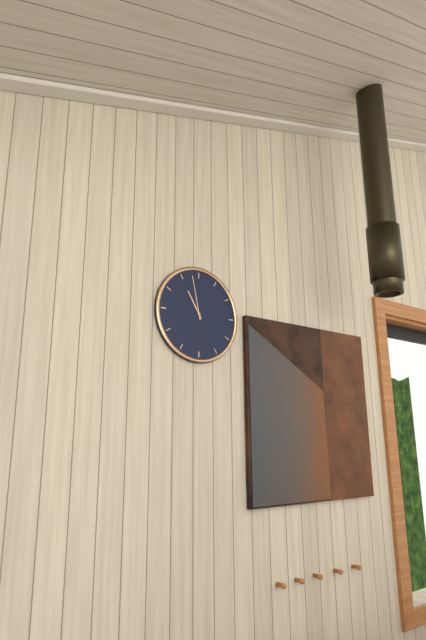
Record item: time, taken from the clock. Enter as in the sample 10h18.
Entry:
10h58
